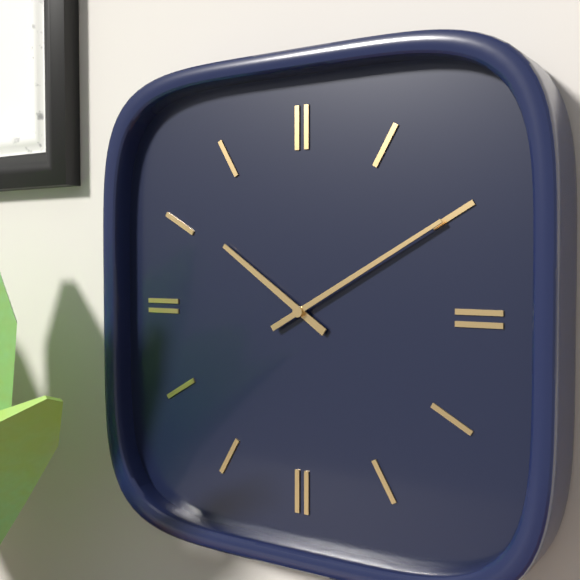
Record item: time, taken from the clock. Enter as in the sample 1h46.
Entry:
10h10
